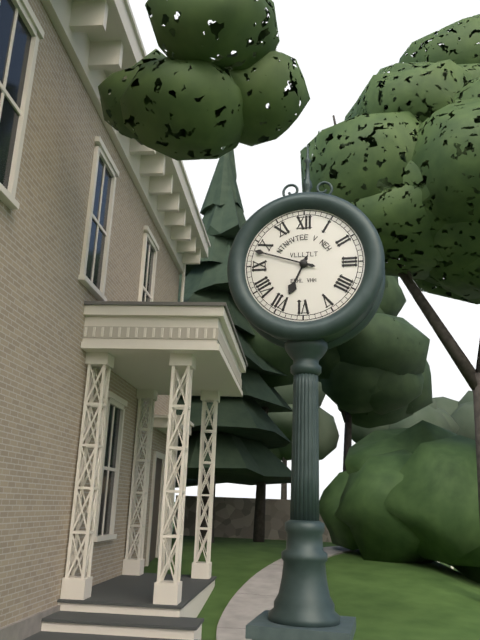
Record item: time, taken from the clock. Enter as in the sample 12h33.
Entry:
6h48
